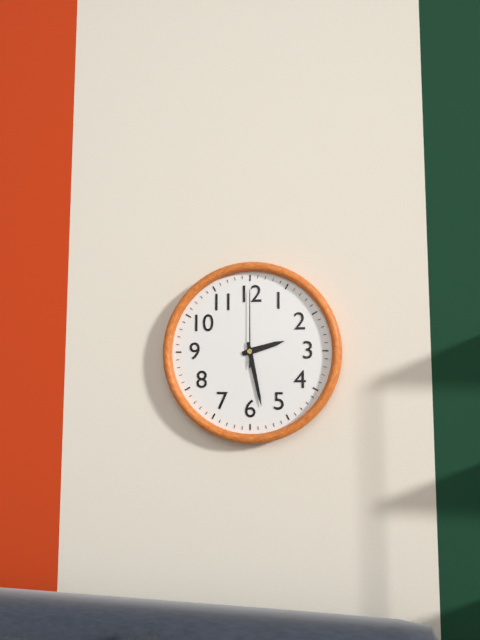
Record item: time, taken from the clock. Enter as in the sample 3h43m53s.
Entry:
2h28m00s
